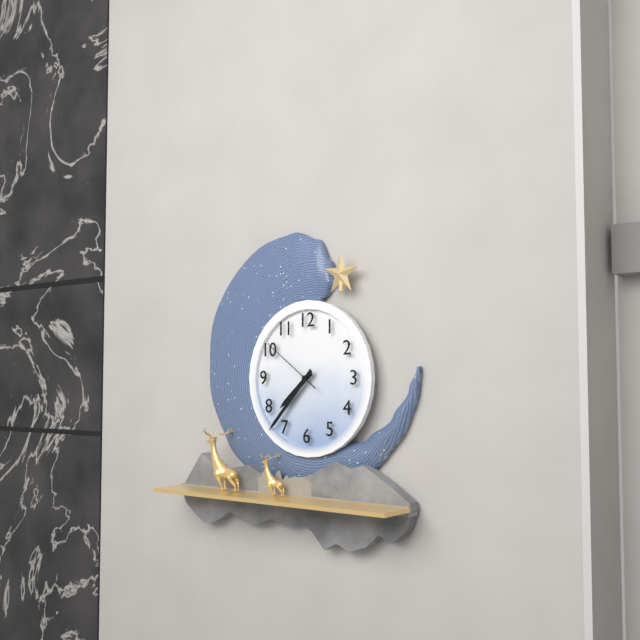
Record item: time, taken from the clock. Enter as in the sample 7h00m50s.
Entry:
7h37m51s
